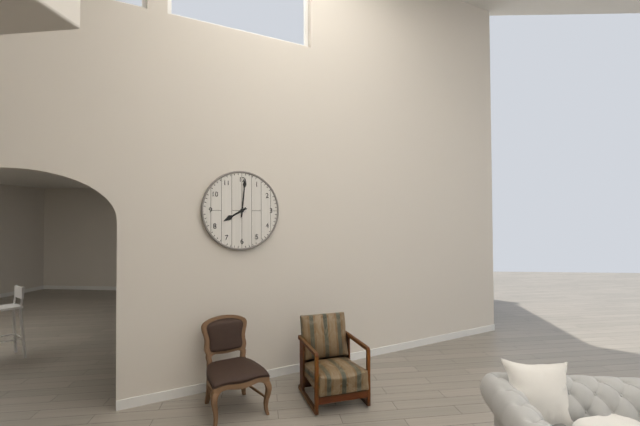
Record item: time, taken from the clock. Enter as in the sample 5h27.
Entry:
8h01
